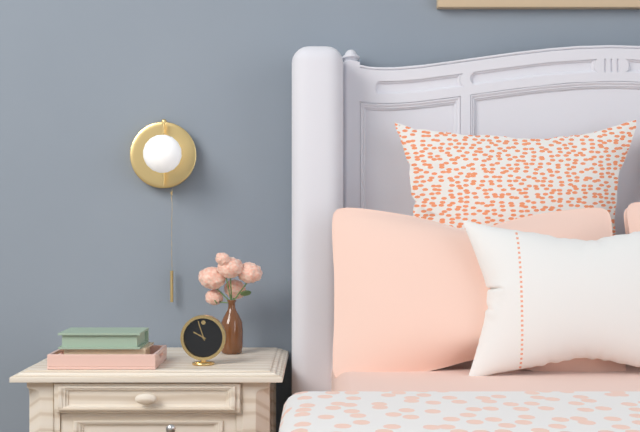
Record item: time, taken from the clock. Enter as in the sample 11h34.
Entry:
9h57
